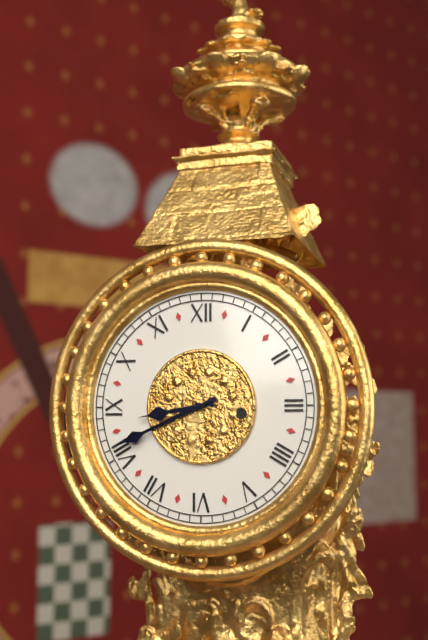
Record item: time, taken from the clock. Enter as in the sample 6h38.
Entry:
8h41
